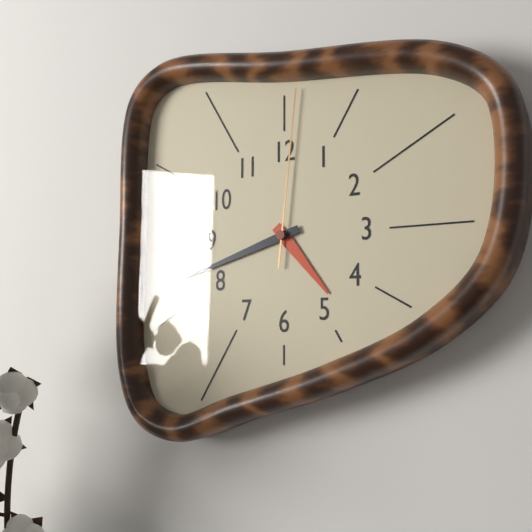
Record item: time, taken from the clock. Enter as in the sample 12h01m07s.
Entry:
4h42m01s
